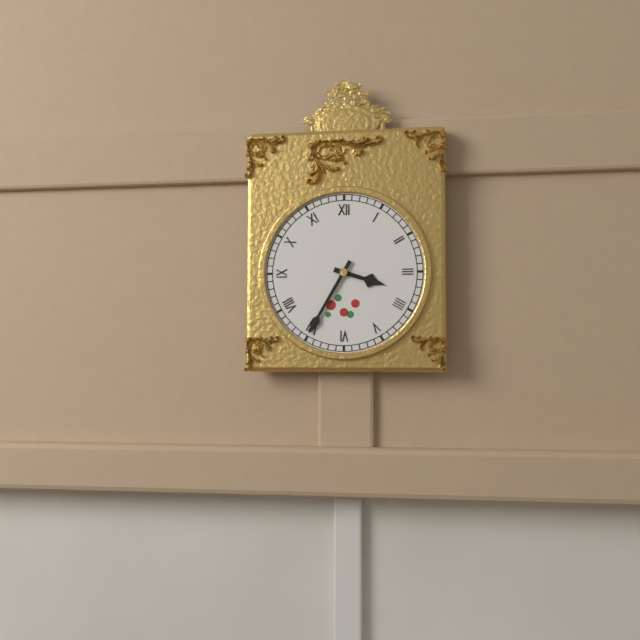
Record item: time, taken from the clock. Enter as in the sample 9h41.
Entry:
3h35
